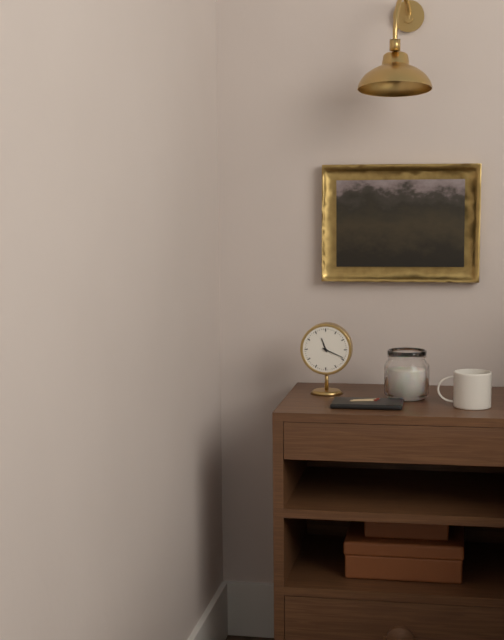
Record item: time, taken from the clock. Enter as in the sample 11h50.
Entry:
11h19
